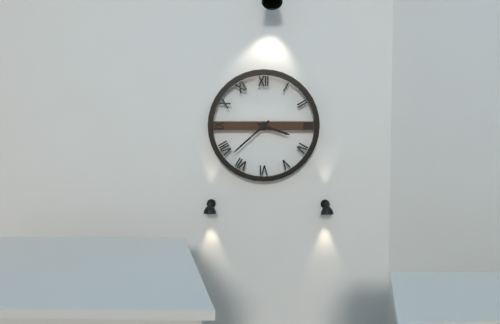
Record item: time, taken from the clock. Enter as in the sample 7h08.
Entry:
3h38
